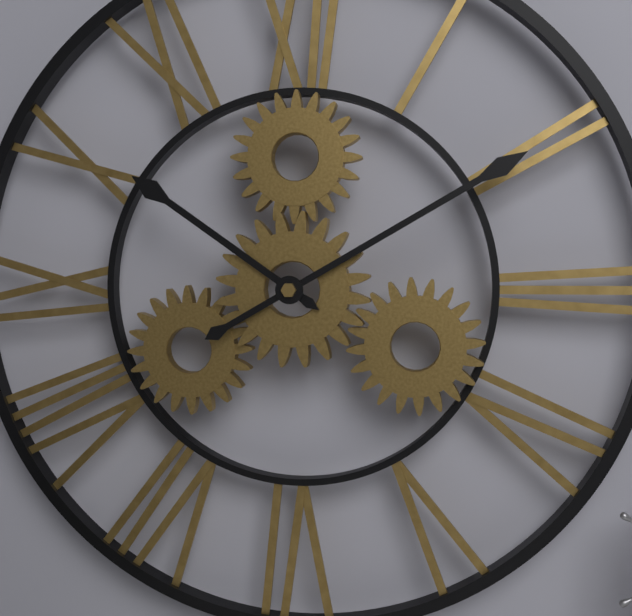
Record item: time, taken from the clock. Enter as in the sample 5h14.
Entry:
10h10
